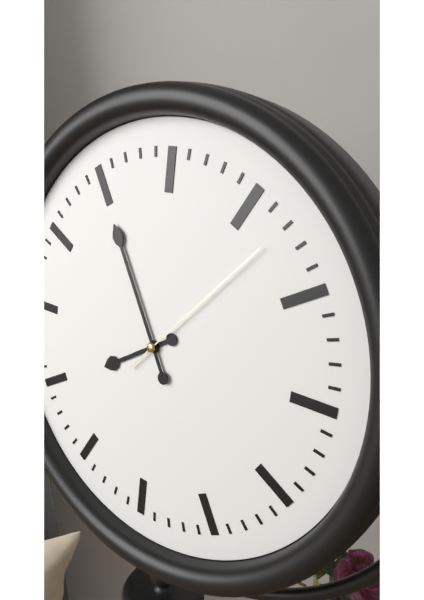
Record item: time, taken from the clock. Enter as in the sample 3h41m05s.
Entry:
7h55m07s
